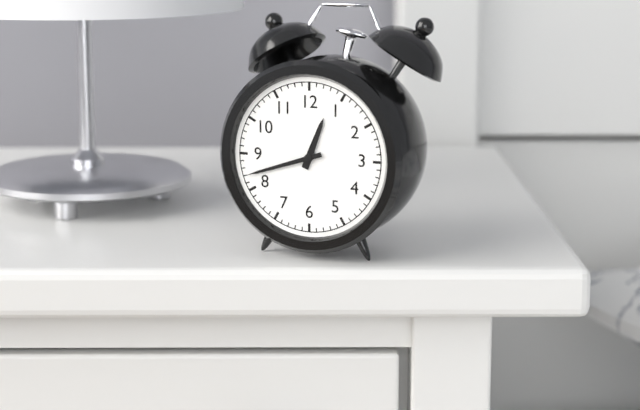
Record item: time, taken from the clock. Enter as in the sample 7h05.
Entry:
12h42
